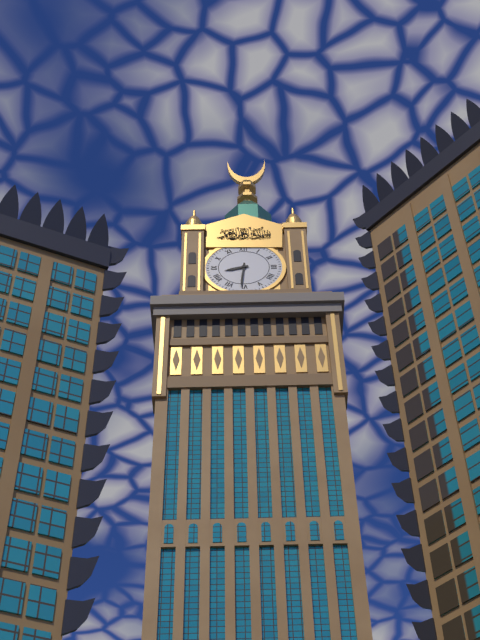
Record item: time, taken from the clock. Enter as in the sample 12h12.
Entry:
8h31
